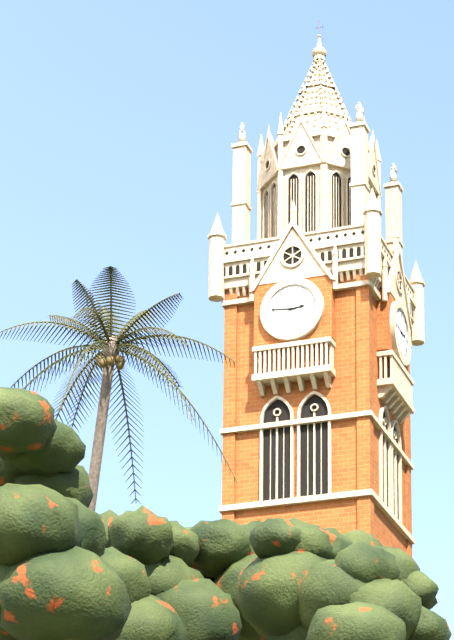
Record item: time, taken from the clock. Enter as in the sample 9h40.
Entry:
2h46
